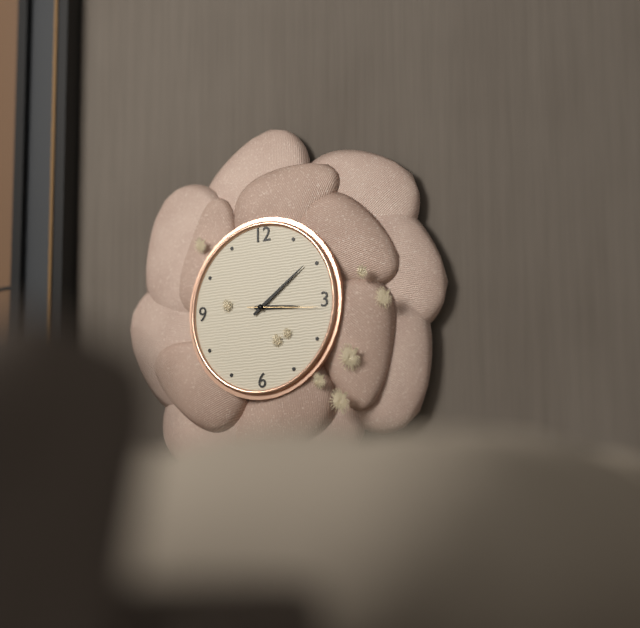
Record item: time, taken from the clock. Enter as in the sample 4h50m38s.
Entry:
3h09m16s
